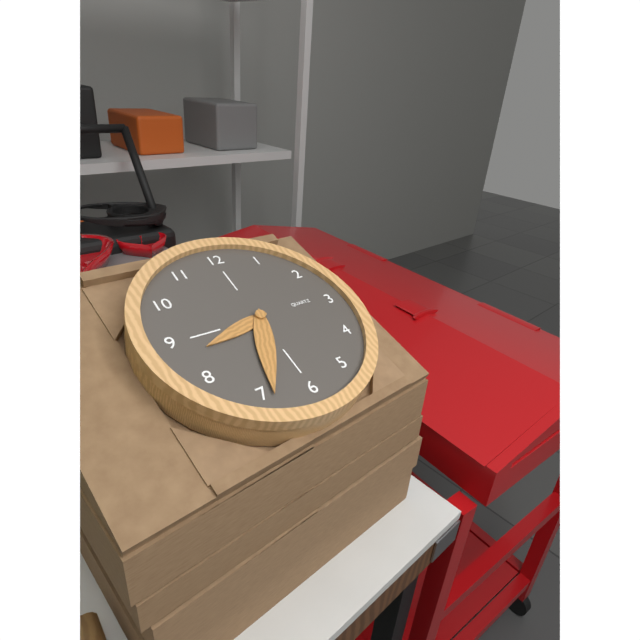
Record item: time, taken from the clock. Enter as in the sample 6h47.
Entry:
8h34
